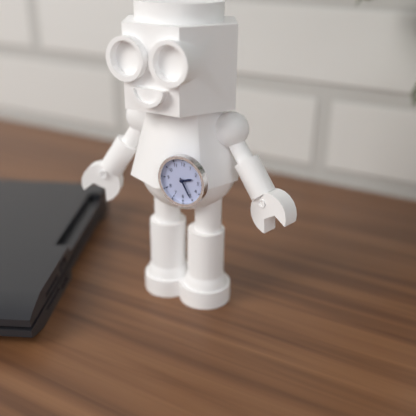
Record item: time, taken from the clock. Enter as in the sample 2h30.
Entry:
2h25
